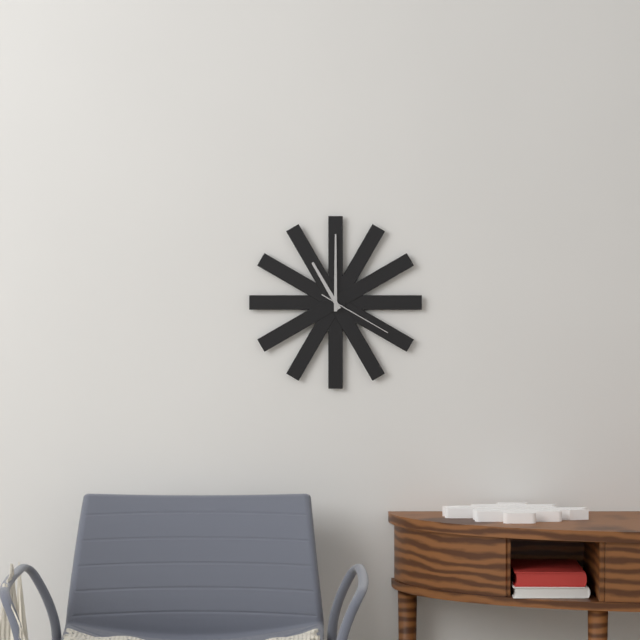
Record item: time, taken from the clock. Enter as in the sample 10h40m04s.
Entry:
11h00m20s
